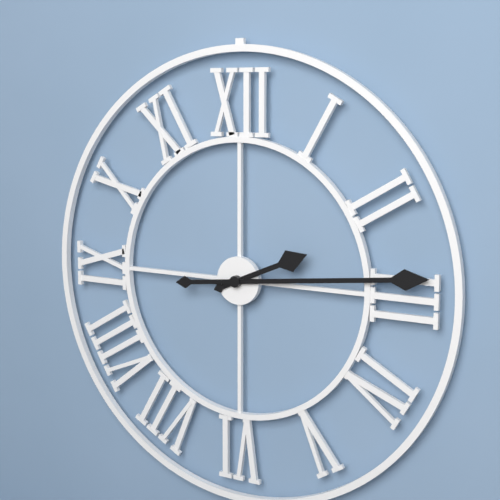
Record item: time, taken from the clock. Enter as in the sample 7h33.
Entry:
2h14
